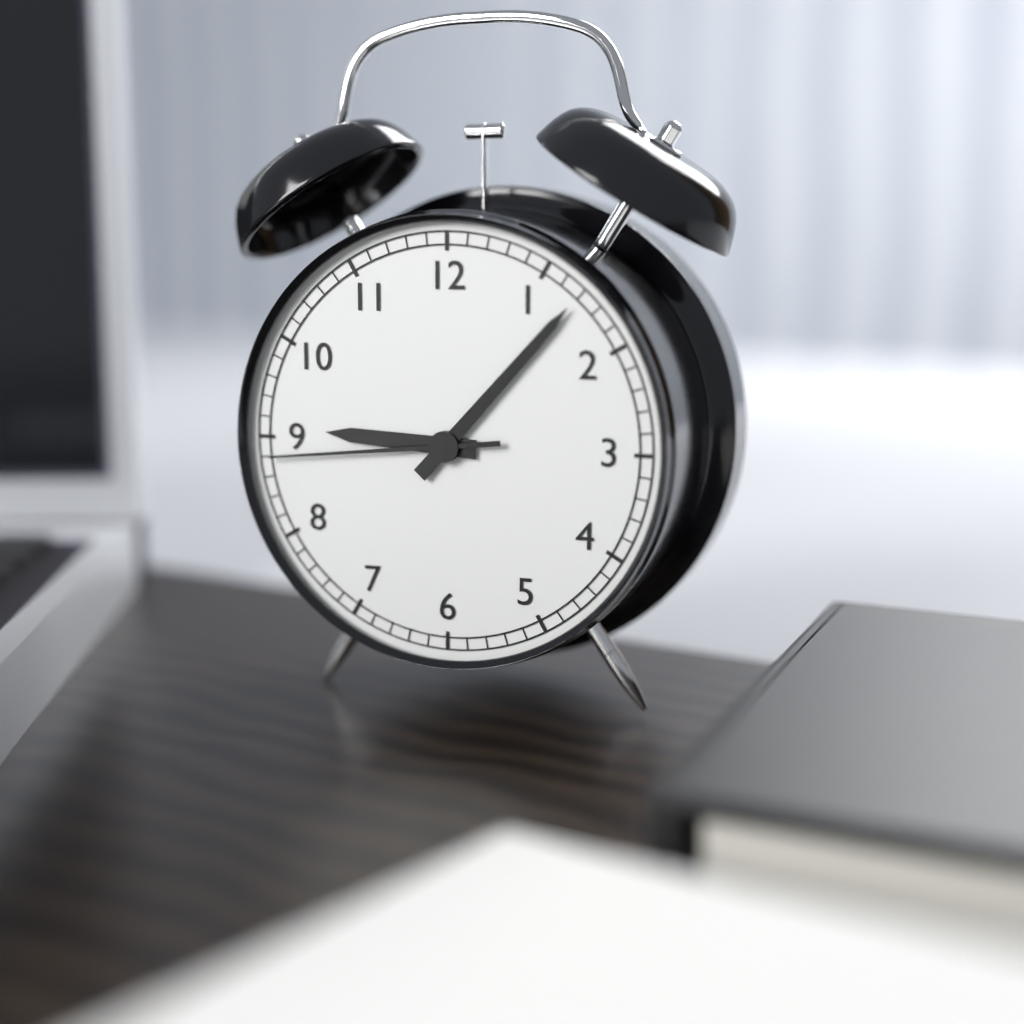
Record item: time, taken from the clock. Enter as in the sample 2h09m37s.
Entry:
9h07m44s
